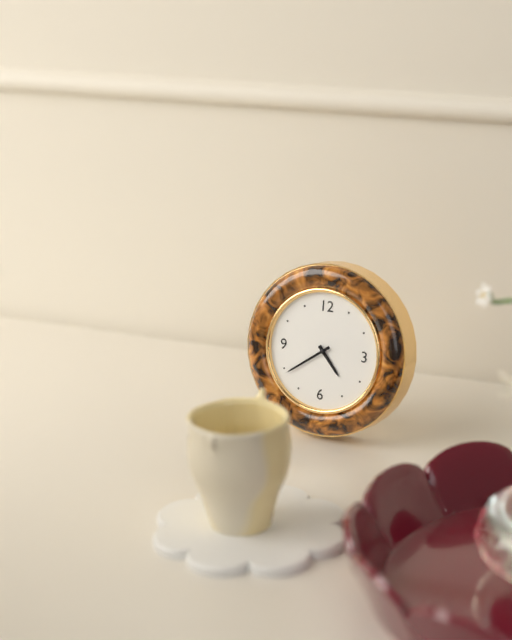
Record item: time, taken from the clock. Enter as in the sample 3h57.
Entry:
4h39
